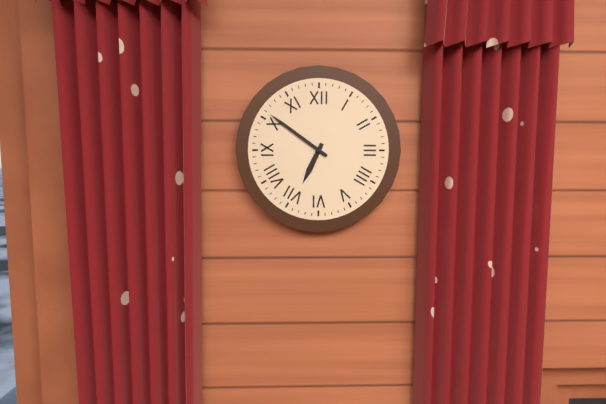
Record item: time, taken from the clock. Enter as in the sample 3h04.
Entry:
6h51
